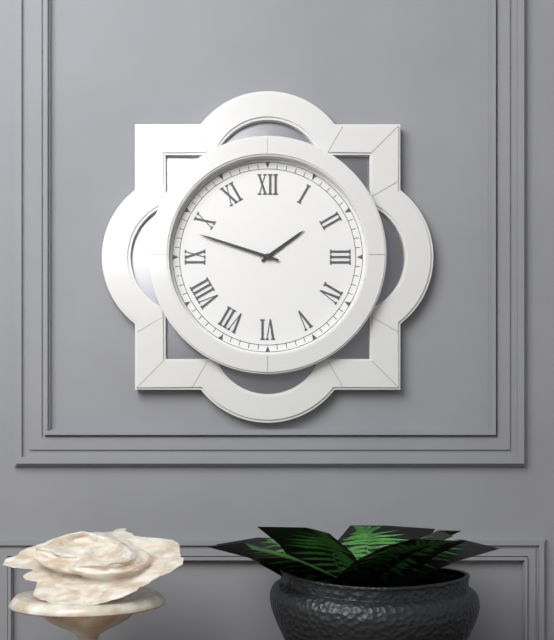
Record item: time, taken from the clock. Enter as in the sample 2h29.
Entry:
1h48
